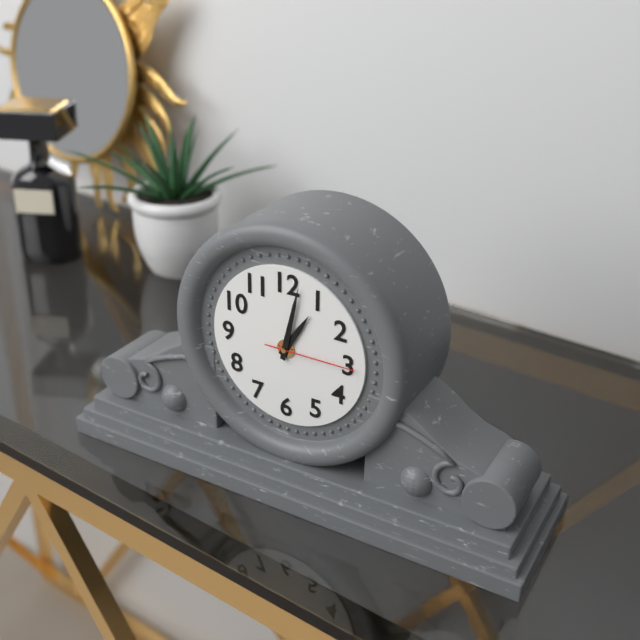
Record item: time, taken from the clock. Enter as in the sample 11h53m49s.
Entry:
1h02m15s
